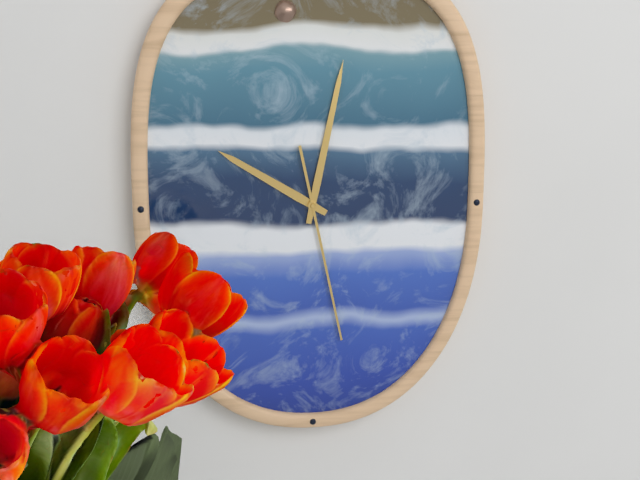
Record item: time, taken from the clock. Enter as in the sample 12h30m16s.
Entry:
10h02m28s
